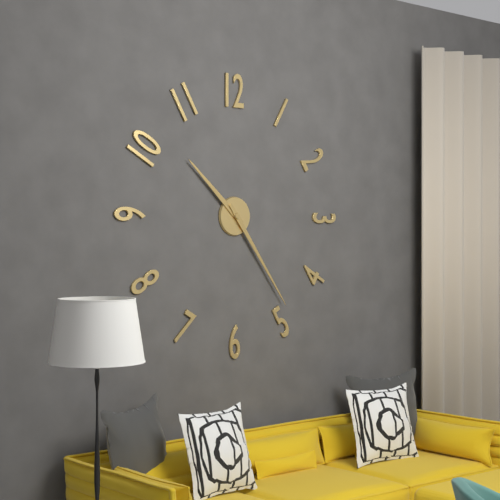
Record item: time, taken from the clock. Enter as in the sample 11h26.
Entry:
10h24
